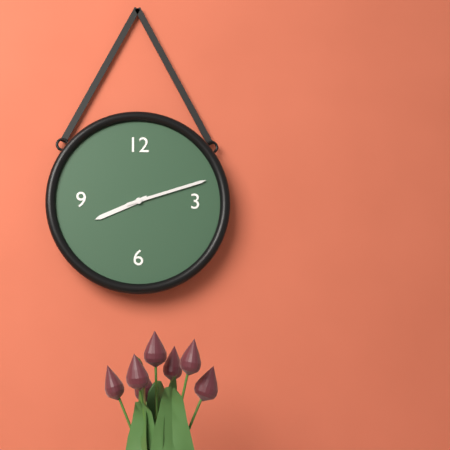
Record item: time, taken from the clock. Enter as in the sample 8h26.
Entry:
8h12
